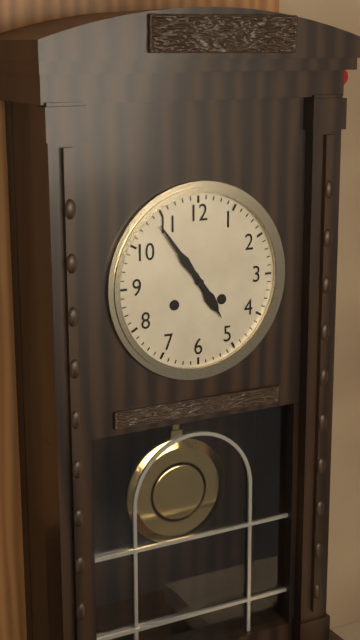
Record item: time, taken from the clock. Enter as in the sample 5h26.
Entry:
4h54
